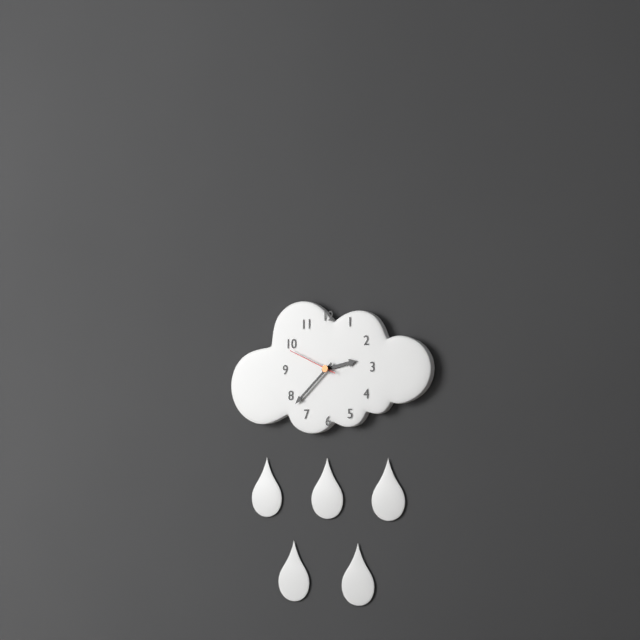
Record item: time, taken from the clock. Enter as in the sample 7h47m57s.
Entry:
2h38m49s
